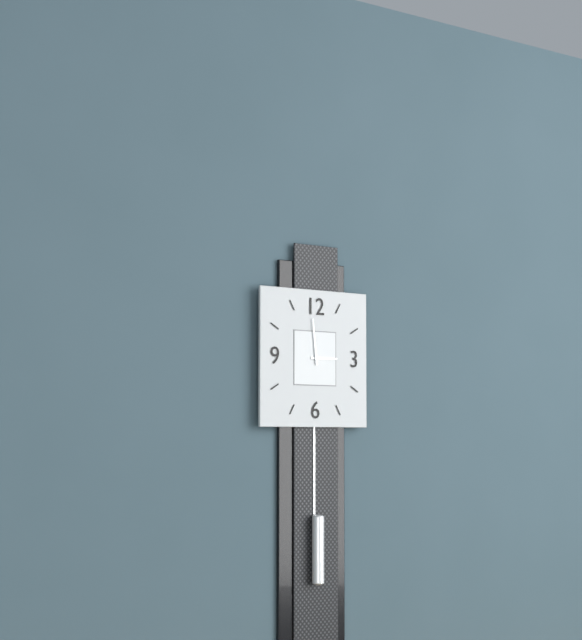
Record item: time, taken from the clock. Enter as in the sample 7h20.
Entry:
2h59
